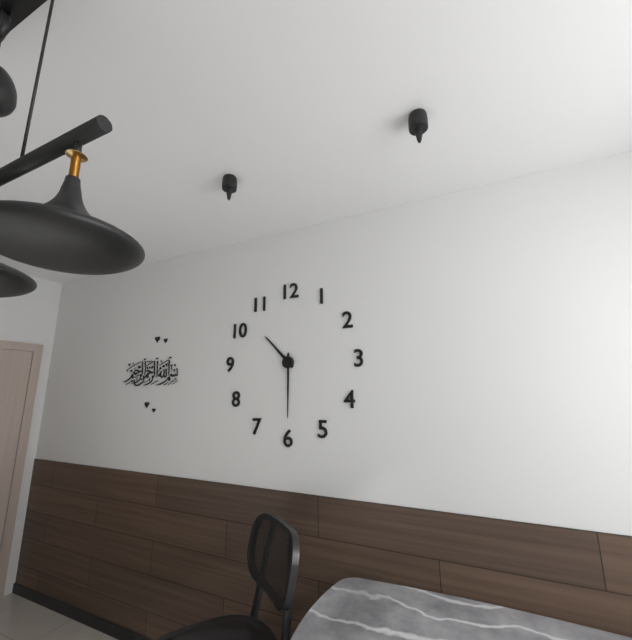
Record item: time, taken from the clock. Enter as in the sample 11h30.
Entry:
10h30
